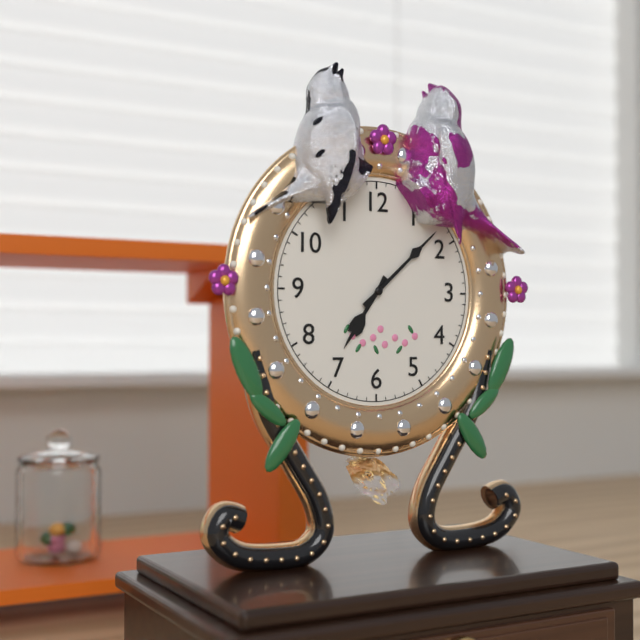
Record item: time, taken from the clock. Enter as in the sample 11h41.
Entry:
7h08
